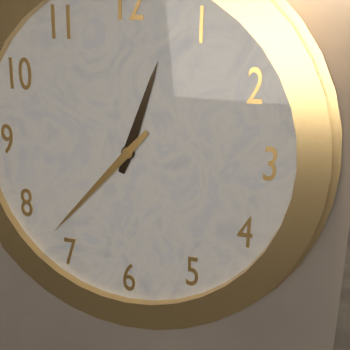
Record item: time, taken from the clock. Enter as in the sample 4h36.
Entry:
12h37
